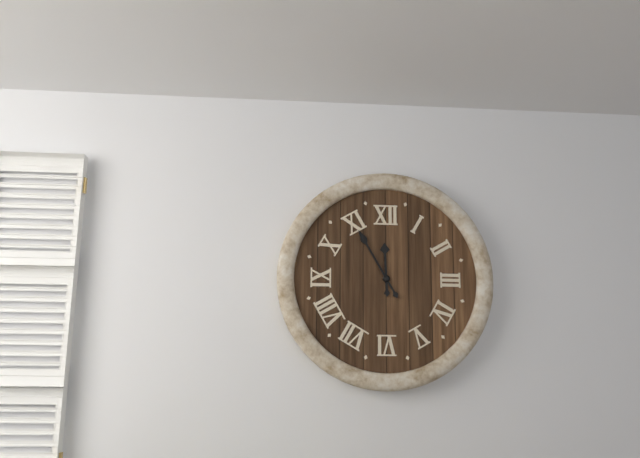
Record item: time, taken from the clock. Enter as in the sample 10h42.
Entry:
11h55
